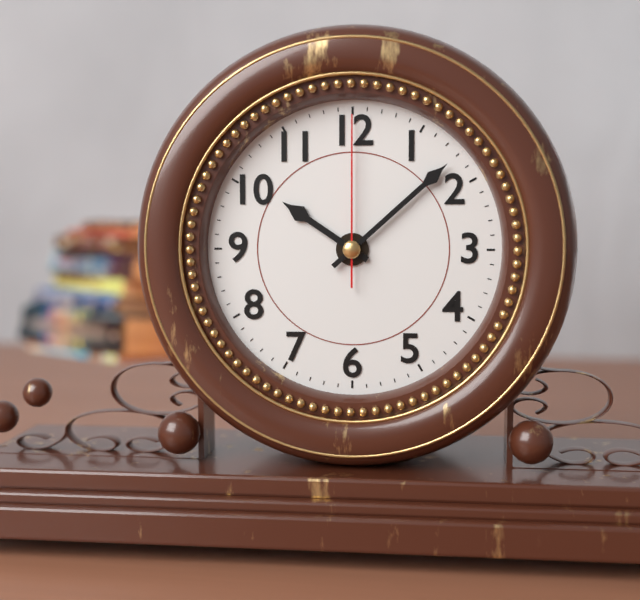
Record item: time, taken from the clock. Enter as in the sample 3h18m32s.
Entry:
10h08m00s
